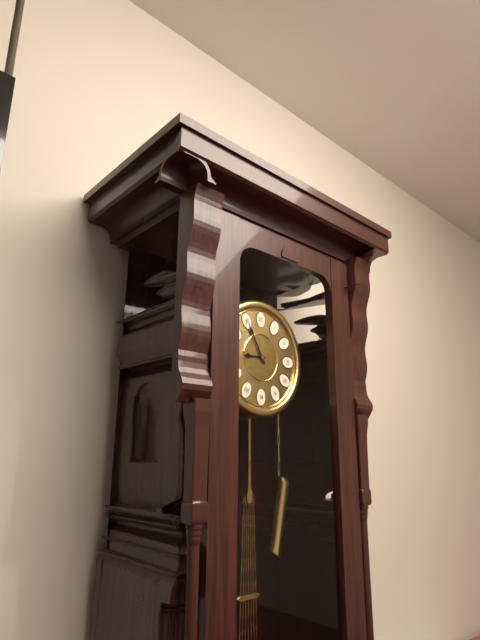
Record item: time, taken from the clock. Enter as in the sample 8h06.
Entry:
8h55
